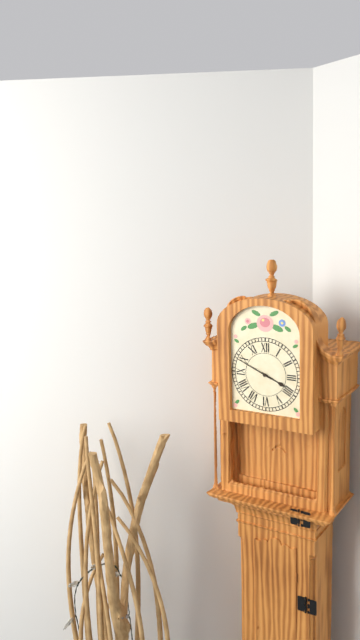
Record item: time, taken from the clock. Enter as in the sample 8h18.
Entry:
3h49
